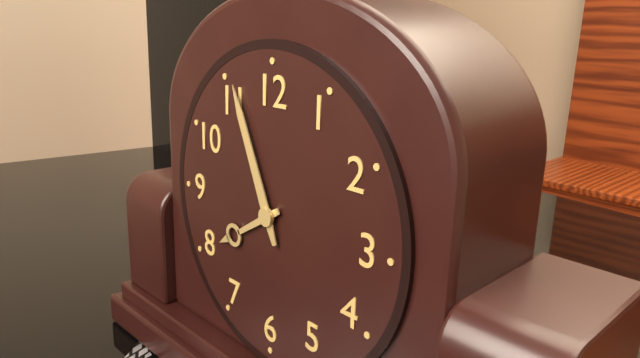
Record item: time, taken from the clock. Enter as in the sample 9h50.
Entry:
7h56
